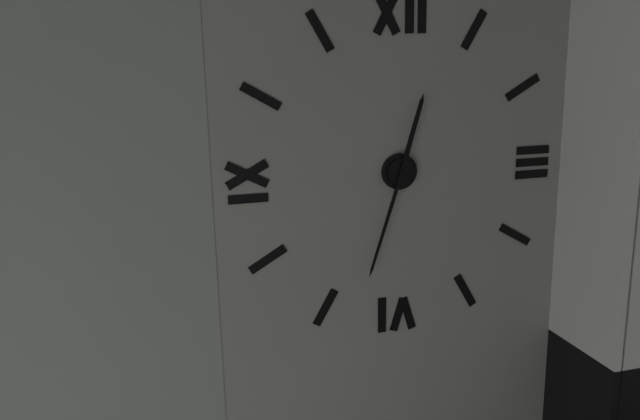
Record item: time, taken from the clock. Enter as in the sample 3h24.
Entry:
12h33
